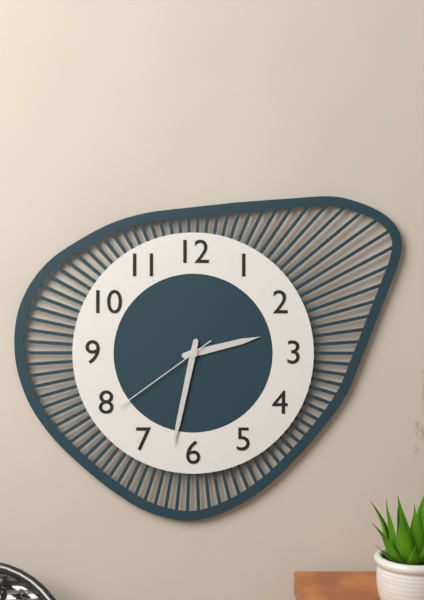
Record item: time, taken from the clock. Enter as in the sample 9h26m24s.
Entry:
2h32m39s
